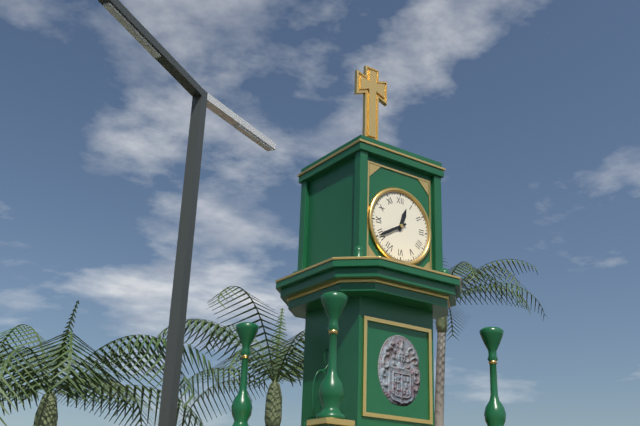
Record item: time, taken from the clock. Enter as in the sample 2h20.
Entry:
12h40
